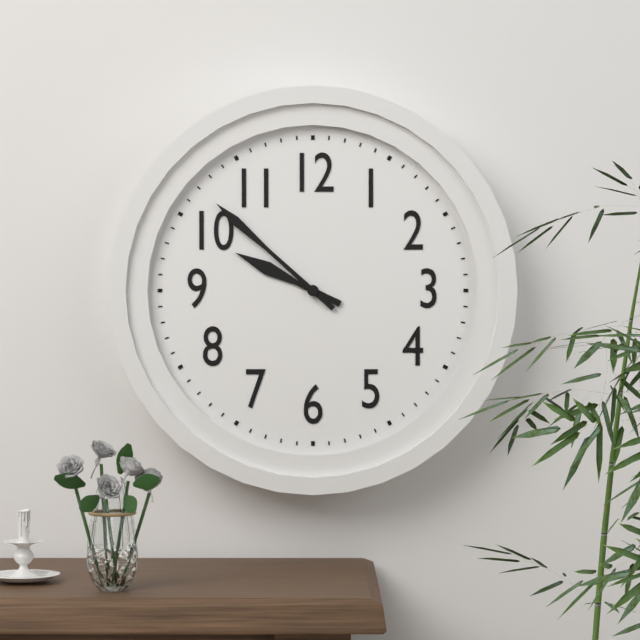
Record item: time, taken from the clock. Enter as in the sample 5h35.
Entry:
9h52
